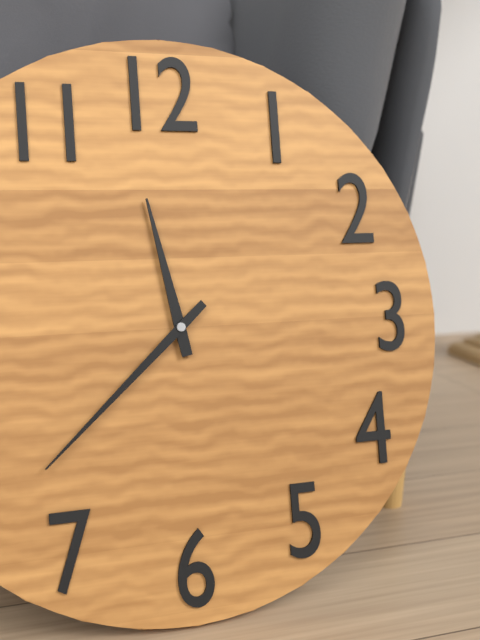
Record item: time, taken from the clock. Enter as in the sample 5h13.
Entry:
11h38
